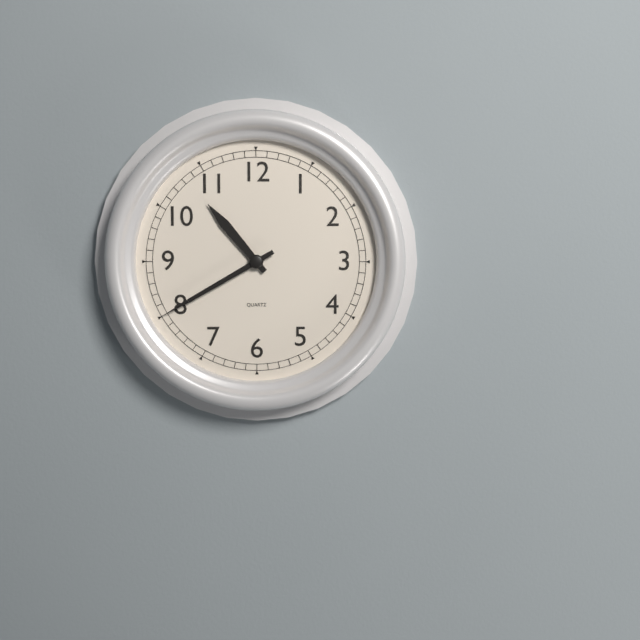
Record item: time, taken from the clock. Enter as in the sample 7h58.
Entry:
10h40
